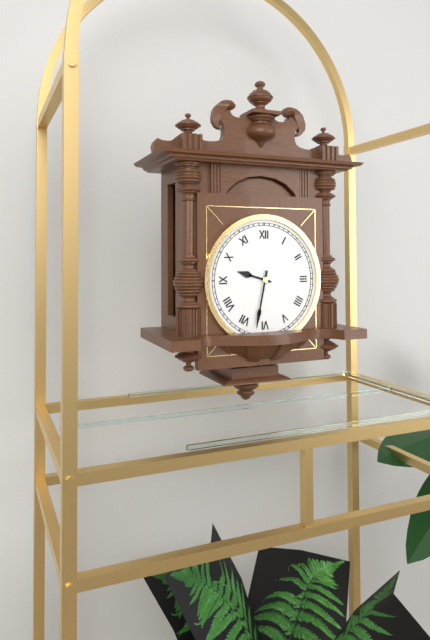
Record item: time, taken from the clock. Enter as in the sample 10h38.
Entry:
9h32
